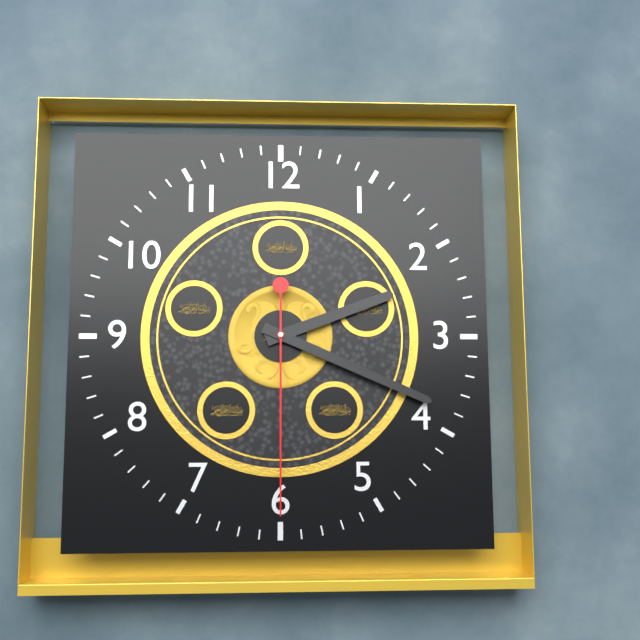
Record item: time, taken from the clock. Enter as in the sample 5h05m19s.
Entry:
2h19m30s
